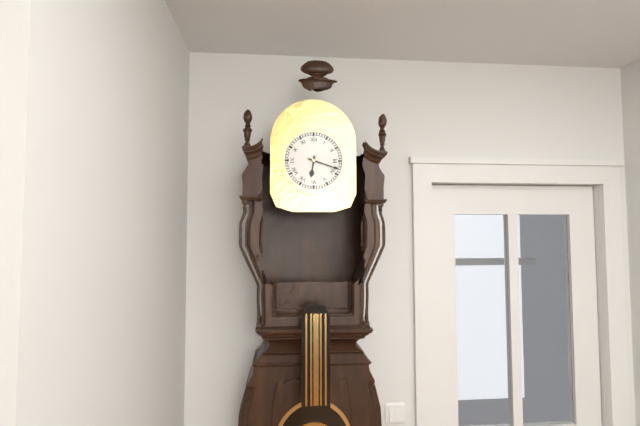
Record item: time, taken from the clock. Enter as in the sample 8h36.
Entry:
6h18
